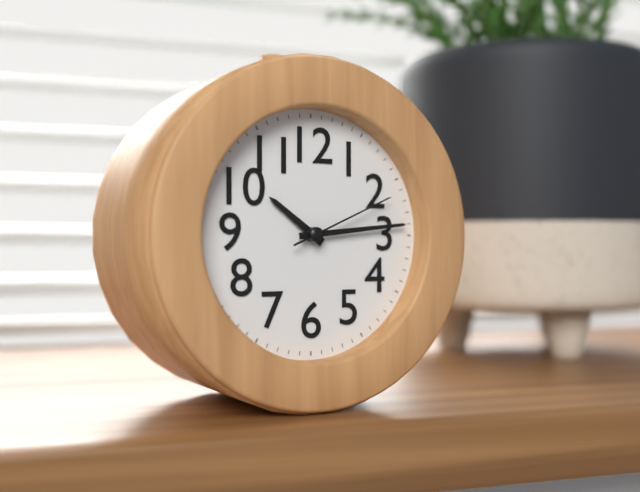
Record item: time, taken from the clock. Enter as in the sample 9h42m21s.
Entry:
10h14m11s
